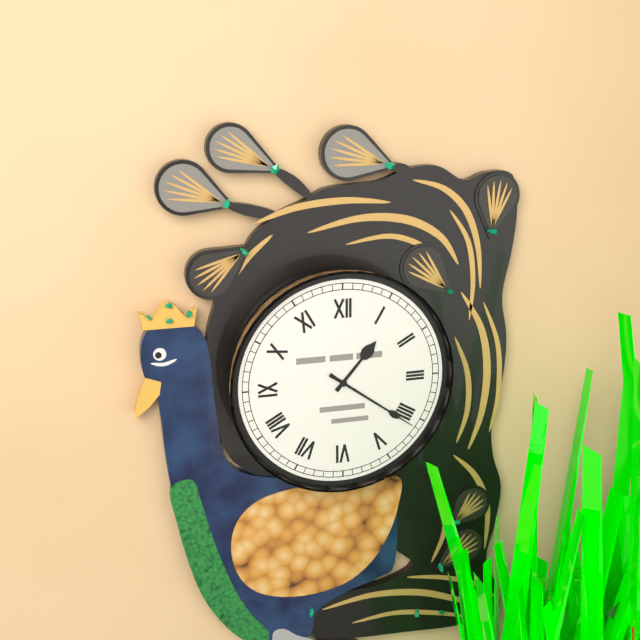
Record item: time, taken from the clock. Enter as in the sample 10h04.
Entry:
1h21
